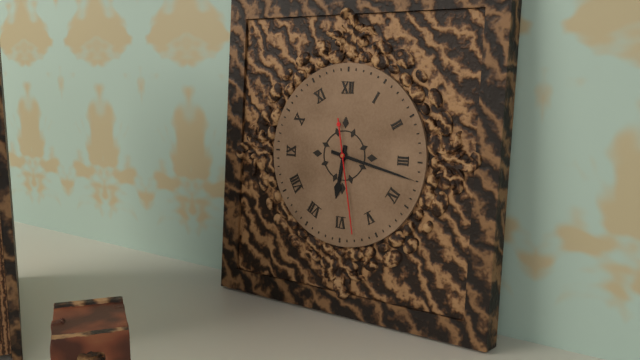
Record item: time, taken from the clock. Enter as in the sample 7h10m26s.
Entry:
6h17m28s
